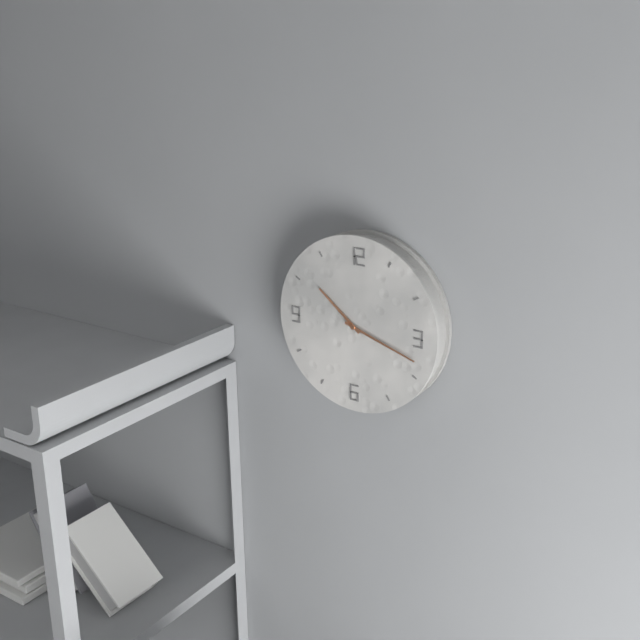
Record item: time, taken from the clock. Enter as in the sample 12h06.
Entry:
10h18
